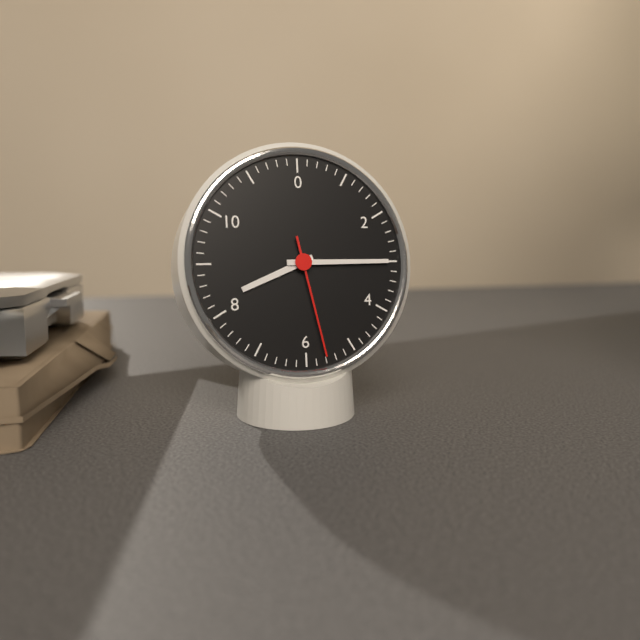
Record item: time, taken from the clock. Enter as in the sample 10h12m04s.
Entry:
8h15m28s
